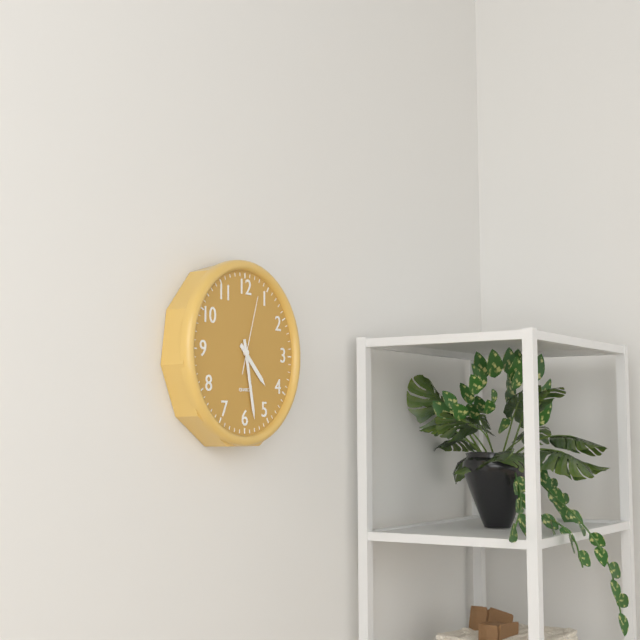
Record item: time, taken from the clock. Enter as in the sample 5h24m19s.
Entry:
4h28m03s
